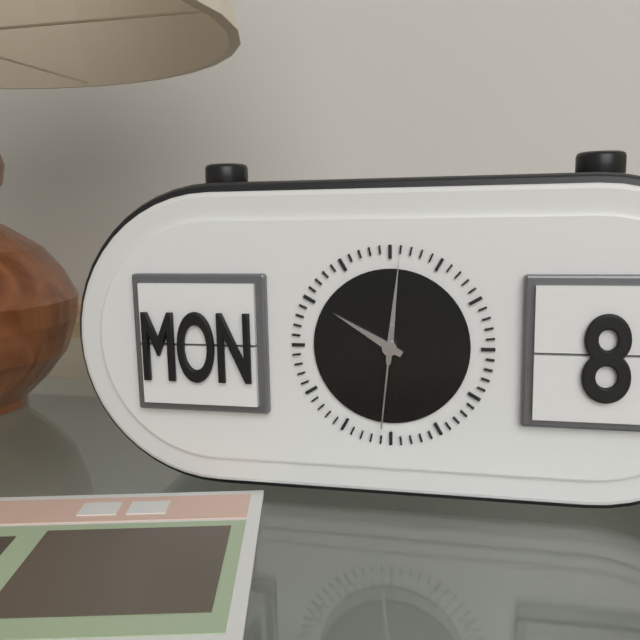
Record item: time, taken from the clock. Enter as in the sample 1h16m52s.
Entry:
10h01m31s
